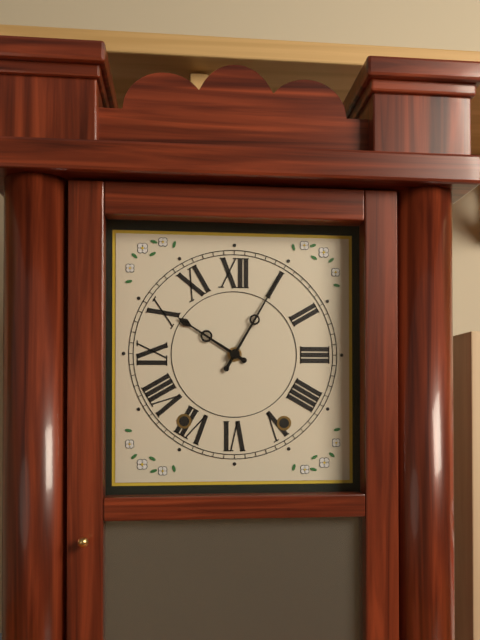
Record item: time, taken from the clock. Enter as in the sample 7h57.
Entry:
10h05
